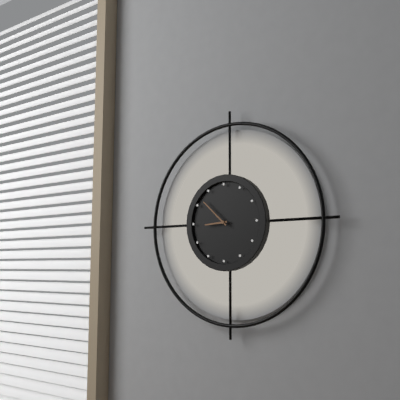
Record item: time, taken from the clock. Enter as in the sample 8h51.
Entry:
8h52
